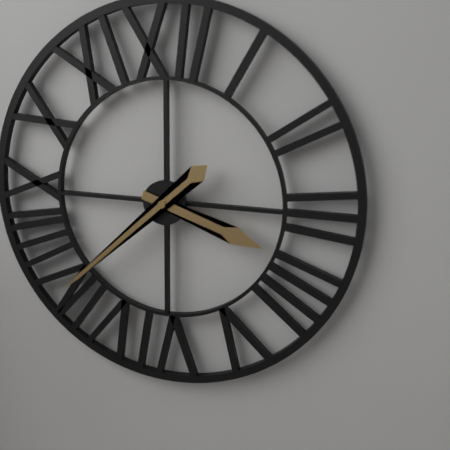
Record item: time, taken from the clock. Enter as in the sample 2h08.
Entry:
3h38
